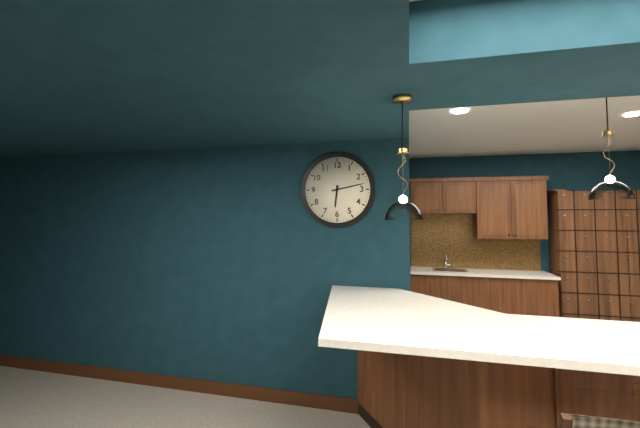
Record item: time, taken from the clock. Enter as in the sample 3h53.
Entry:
6h13
